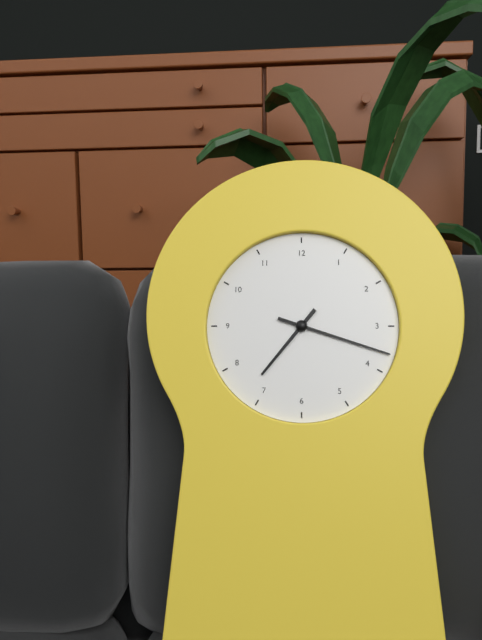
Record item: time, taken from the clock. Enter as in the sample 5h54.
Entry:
7h18
